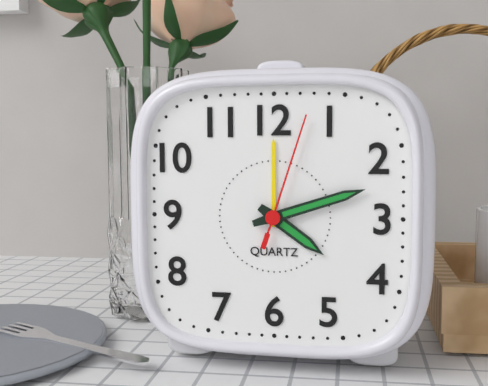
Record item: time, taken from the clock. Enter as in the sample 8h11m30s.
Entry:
4h12m03s
